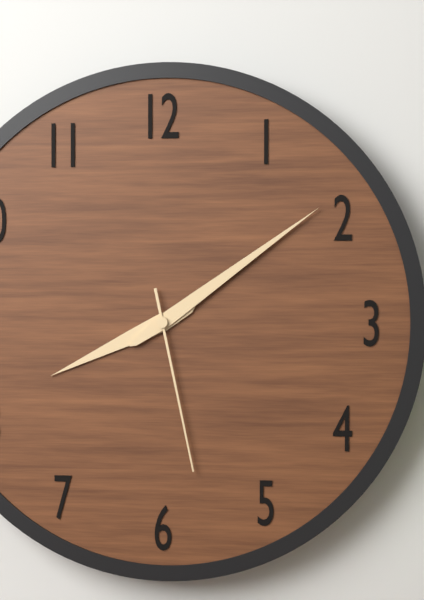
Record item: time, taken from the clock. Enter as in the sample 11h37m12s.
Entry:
8h09m28s
